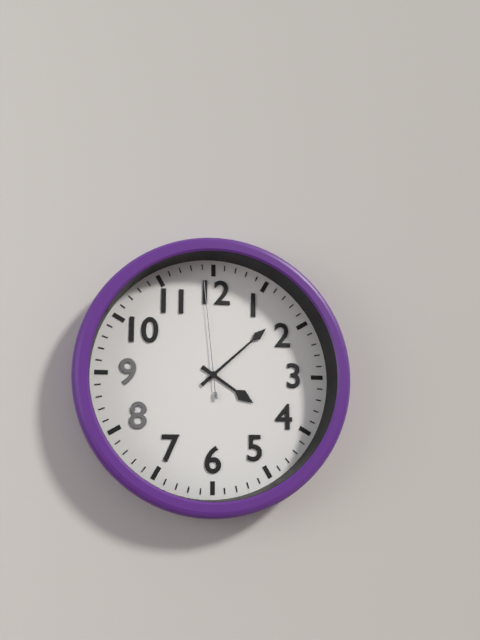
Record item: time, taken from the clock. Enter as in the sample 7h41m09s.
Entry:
4h08m59s
